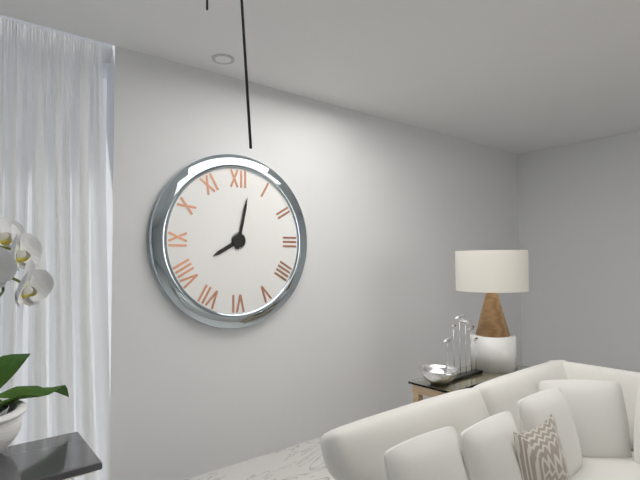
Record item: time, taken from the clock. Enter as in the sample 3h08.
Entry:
8h02
